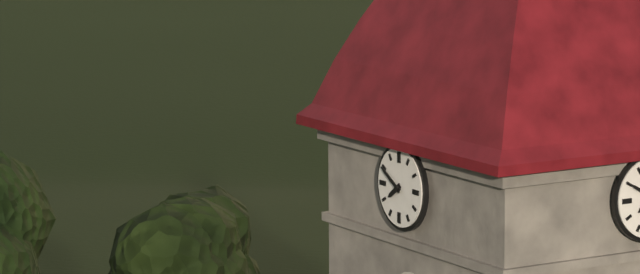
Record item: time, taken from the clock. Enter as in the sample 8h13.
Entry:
7h50
